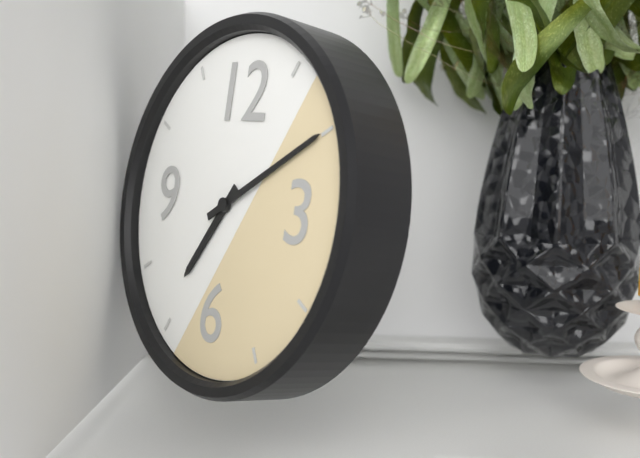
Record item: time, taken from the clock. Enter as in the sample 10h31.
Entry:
7h10
